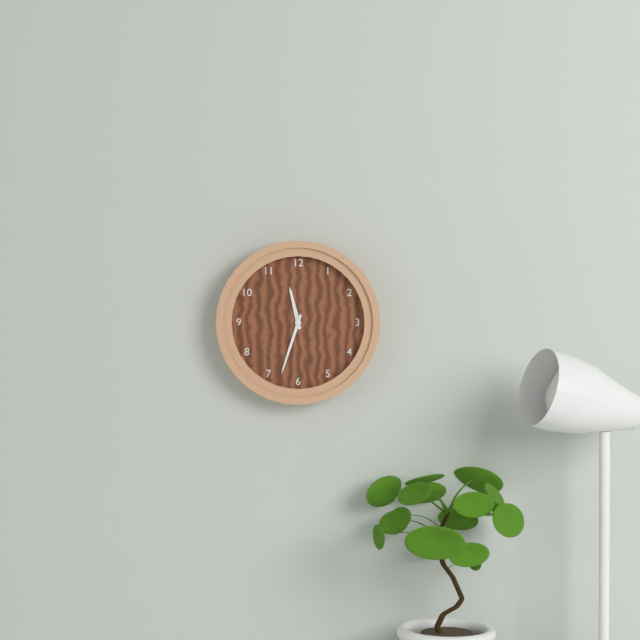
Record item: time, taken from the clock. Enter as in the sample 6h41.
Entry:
11h33
